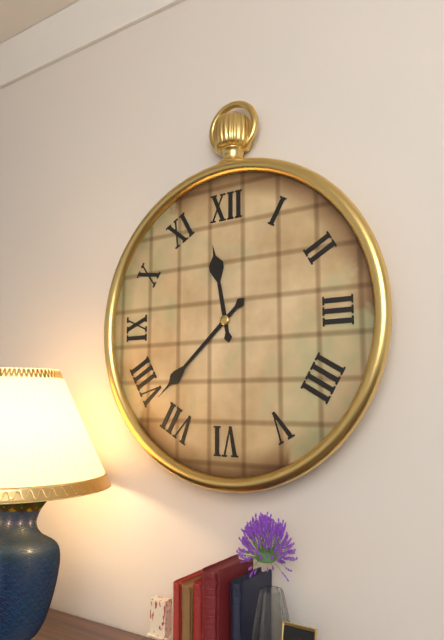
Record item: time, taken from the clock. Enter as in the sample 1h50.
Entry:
11h38
